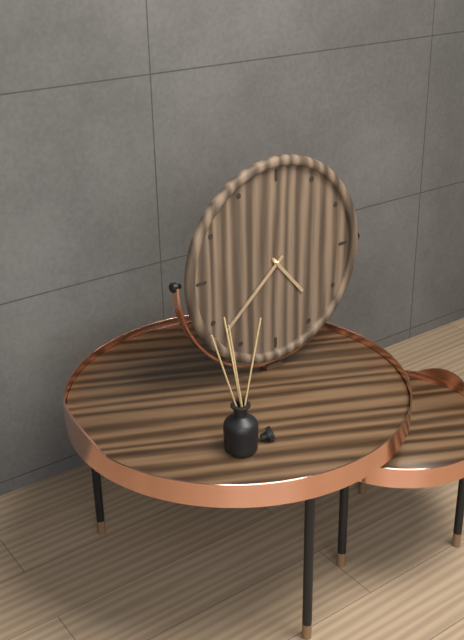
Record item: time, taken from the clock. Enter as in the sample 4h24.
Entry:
4h38
